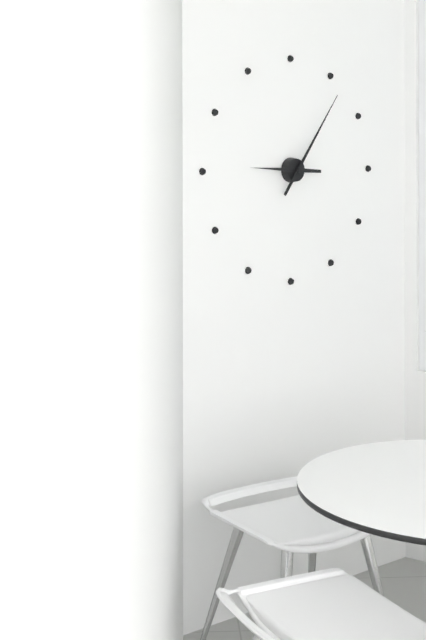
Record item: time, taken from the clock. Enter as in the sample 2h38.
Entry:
9h06
